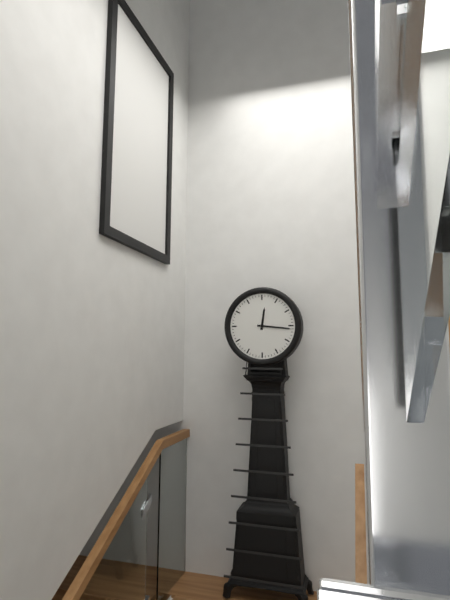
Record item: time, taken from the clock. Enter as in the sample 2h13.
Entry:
12h16
